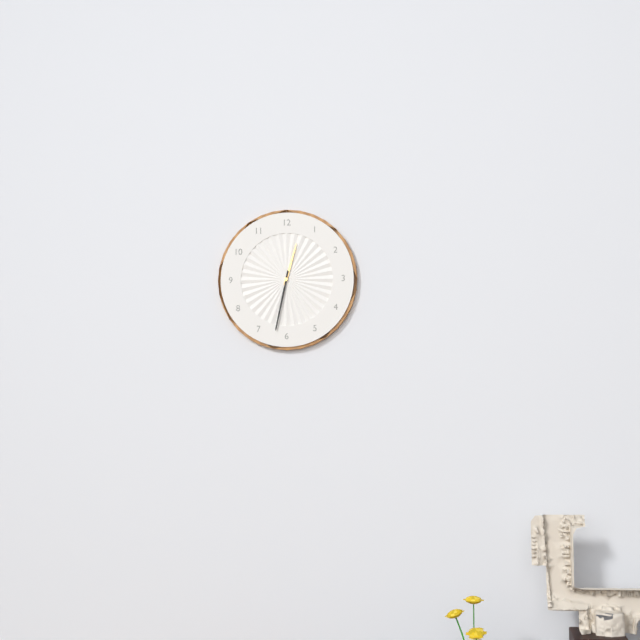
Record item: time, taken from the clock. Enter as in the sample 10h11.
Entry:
12h32
